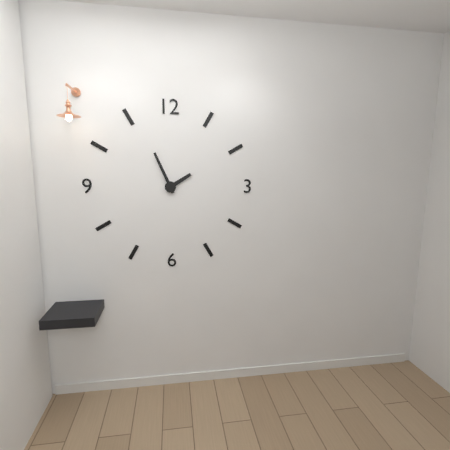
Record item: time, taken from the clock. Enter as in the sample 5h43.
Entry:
1h56
